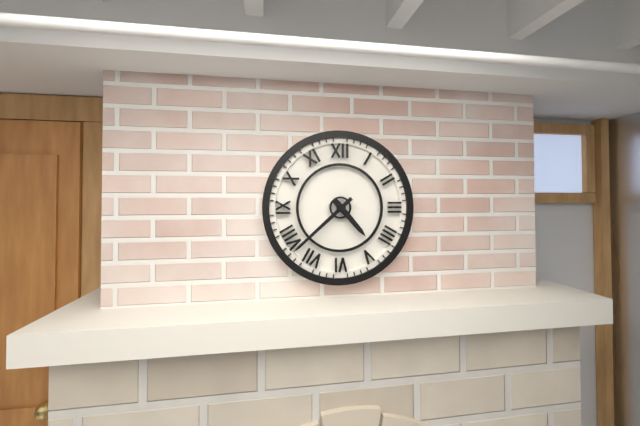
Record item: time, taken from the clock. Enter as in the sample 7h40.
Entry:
4h38
